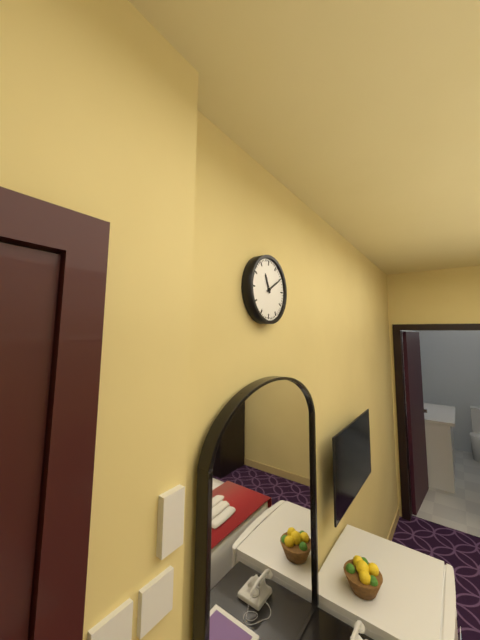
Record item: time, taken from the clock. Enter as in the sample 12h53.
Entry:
11h10
